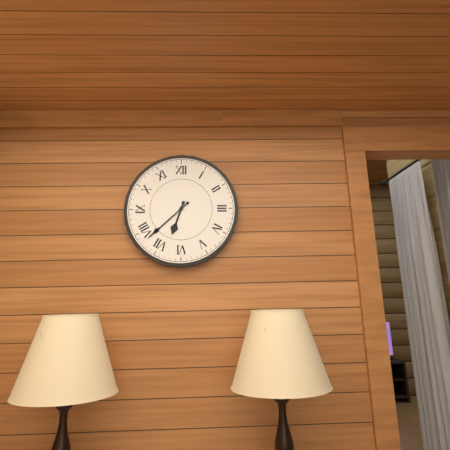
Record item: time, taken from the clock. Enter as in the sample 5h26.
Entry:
6h38
